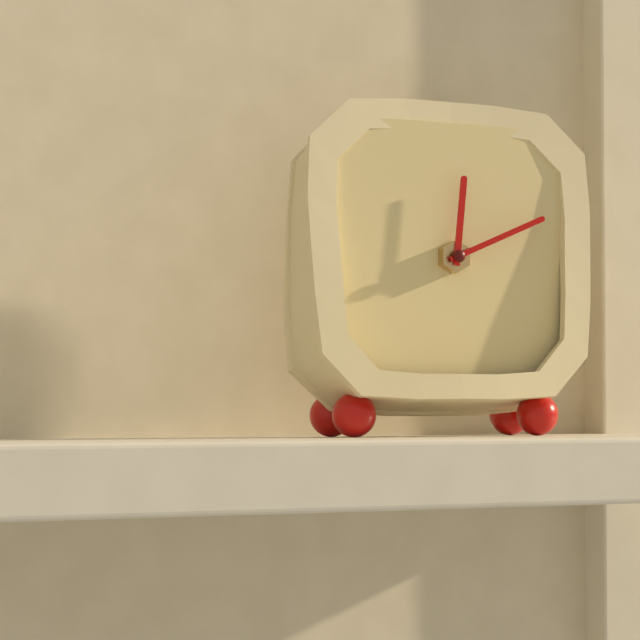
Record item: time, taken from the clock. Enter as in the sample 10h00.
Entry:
12h11
